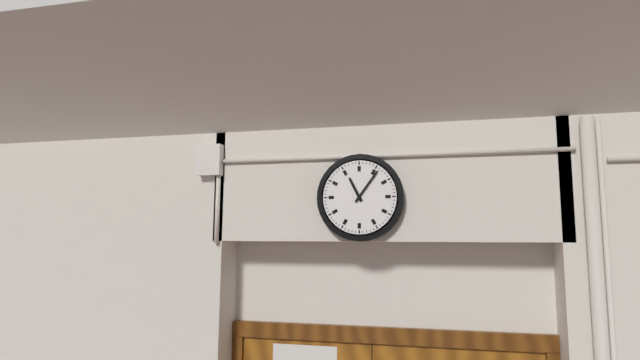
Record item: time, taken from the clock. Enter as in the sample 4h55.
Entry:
11h06
